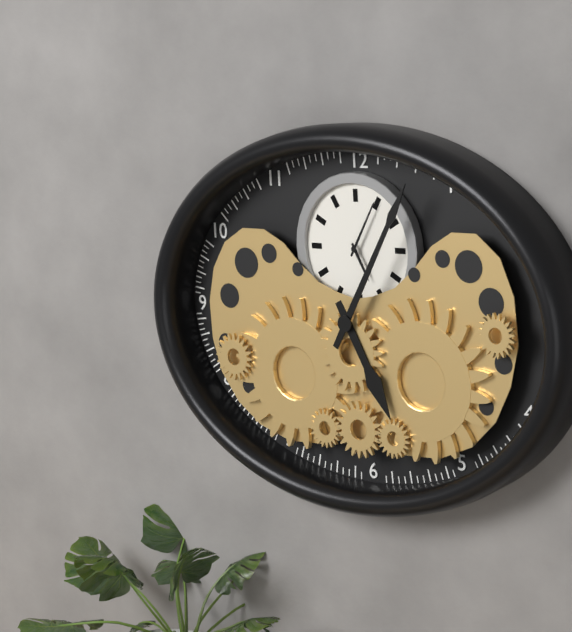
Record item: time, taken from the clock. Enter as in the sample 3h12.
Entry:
5h05
